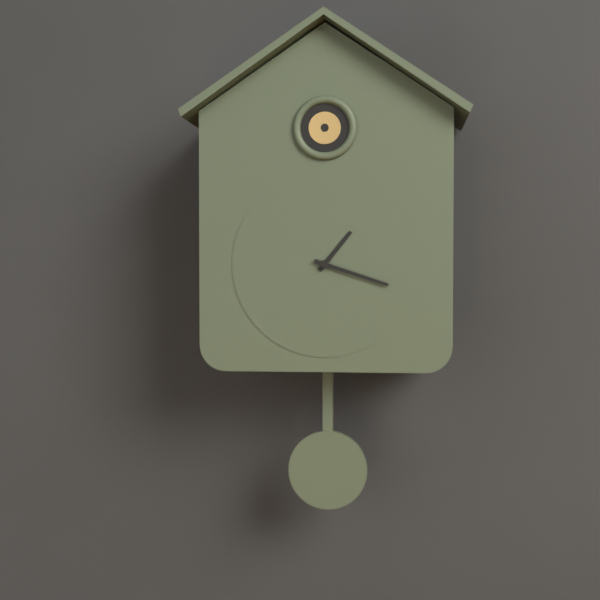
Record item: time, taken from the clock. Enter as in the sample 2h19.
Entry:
1h18
